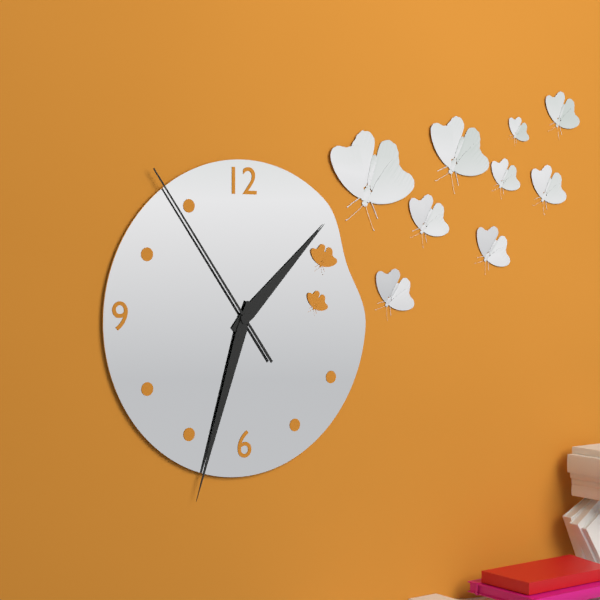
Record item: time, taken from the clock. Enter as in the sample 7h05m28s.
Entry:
1h33m54s
